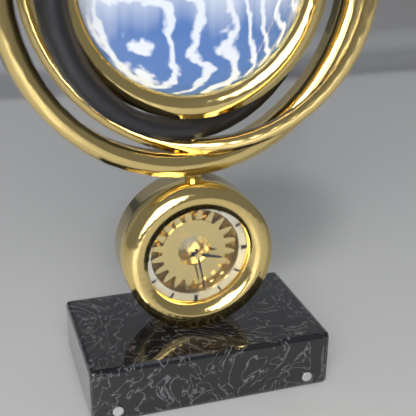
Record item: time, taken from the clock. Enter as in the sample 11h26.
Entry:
3h28
